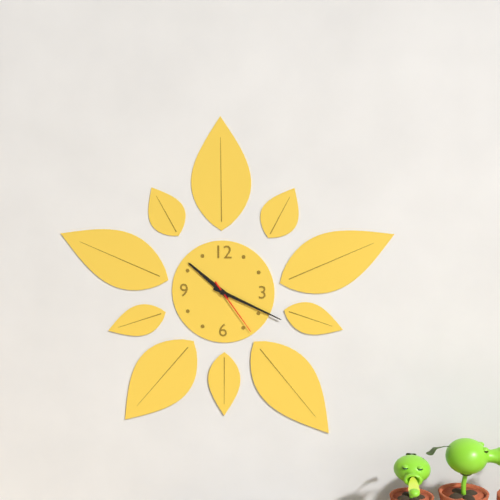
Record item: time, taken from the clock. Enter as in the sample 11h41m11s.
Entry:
10h19m24s
